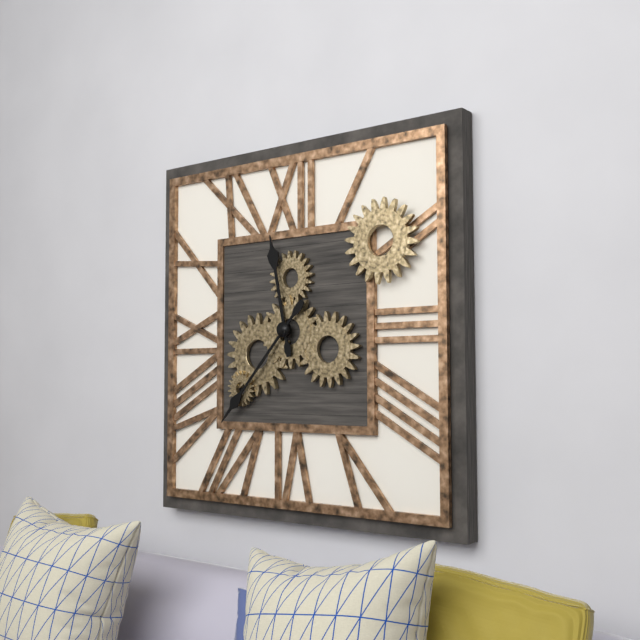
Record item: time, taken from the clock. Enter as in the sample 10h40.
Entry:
11h37
